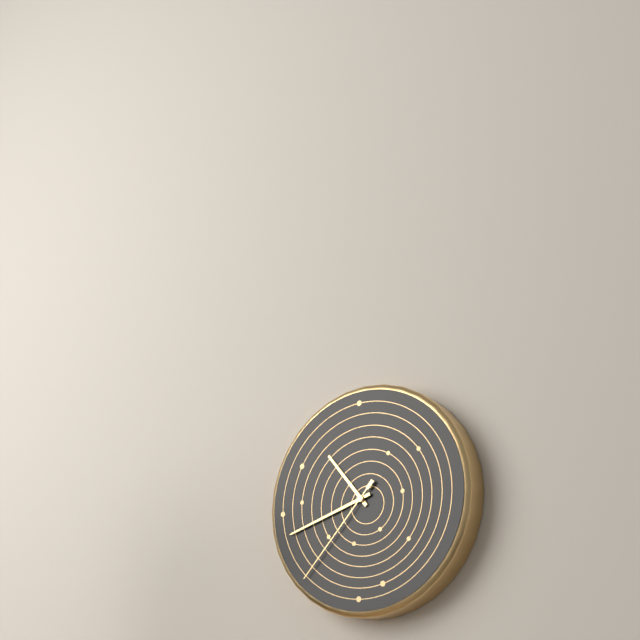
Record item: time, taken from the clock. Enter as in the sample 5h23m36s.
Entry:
10h42m37s
